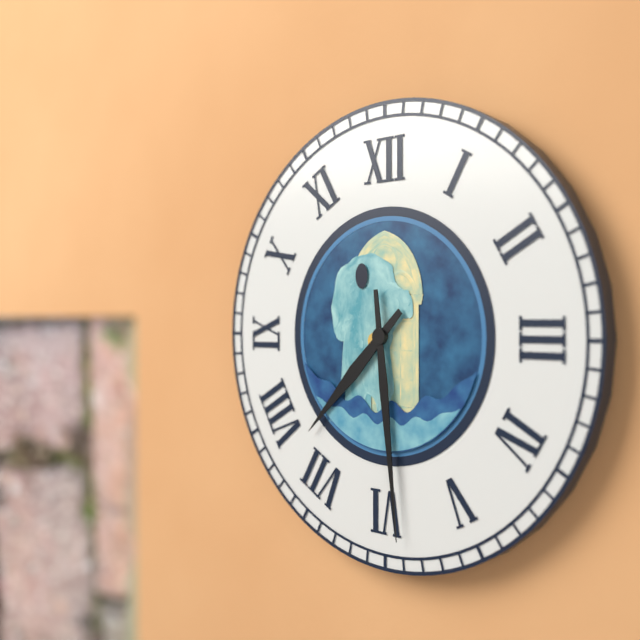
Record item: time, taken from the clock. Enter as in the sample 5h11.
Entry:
7h29
